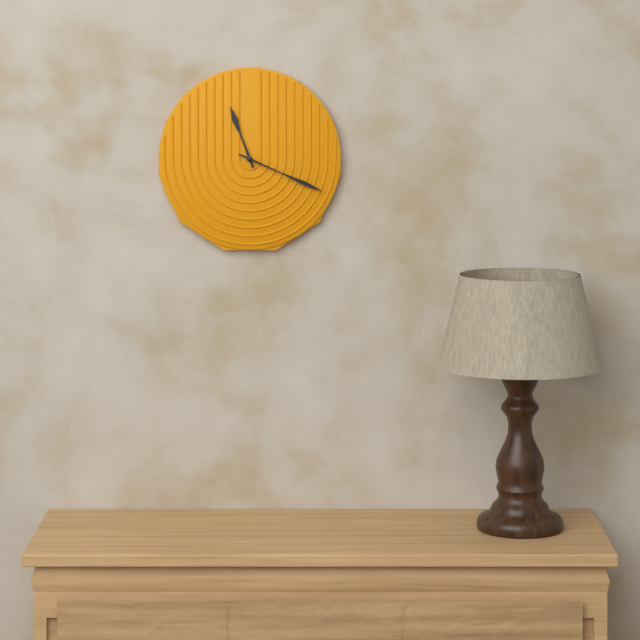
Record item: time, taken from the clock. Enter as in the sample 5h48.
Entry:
11h19
